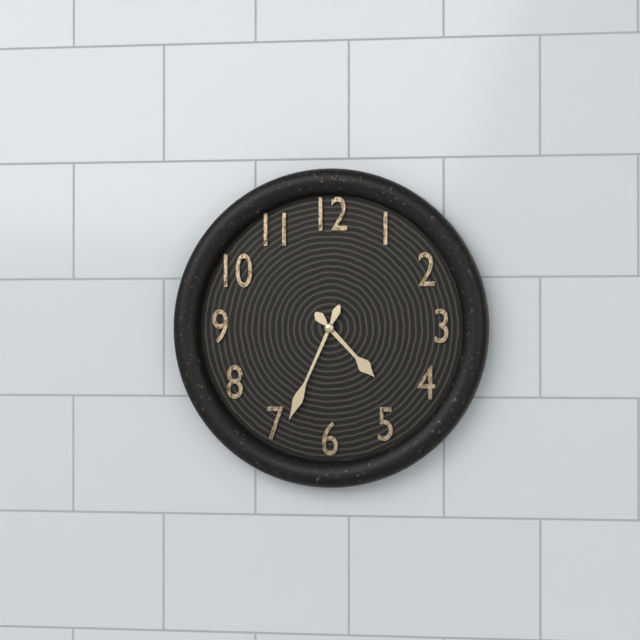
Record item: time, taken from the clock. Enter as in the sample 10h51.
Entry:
4h34
